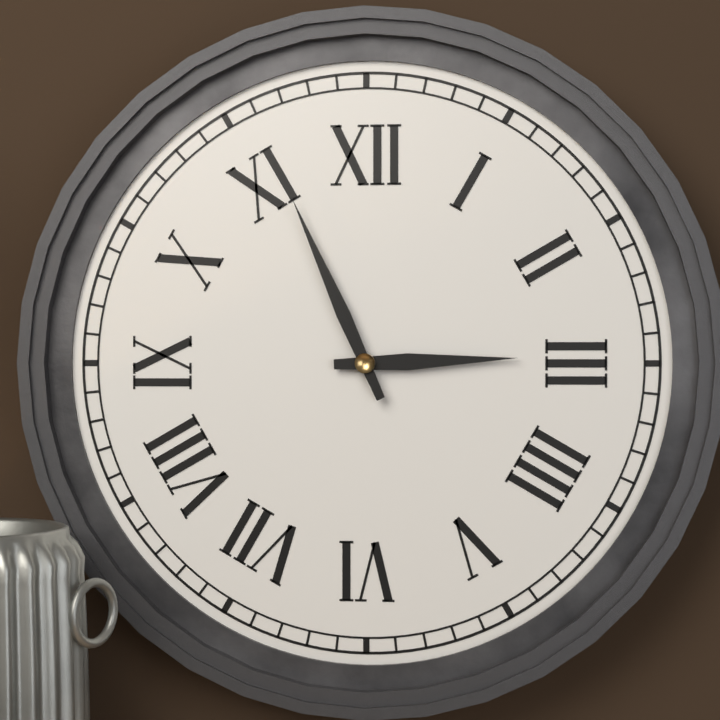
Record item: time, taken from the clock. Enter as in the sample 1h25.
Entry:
2h56
